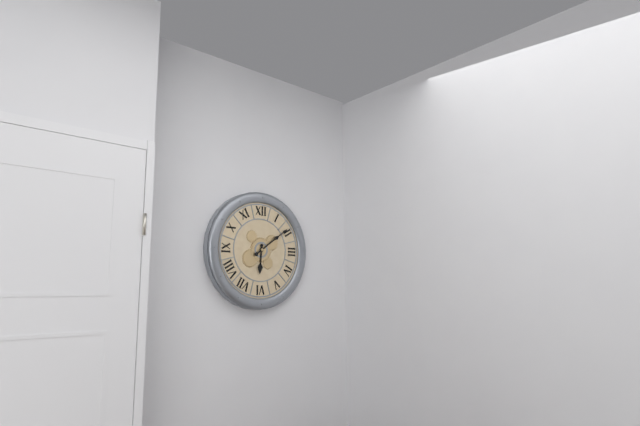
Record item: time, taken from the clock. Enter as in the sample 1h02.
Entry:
6h09
